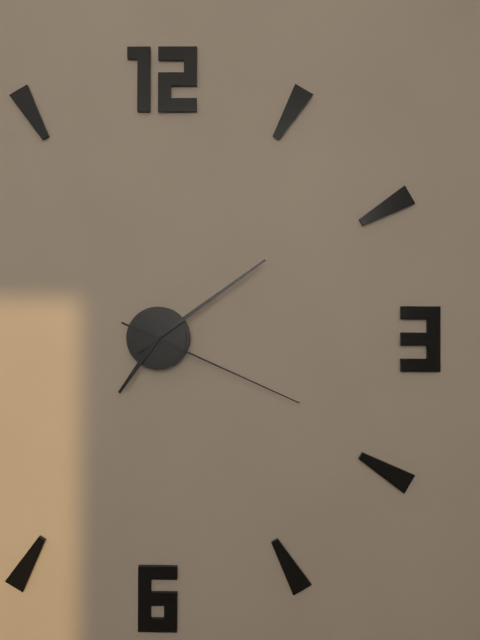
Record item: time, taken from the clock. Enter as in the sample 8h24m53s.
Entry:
7h09m19s
